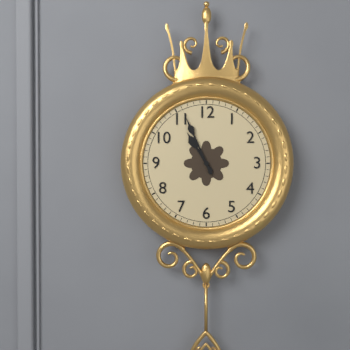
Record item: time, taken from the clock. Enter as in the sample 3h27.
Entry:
10h56
